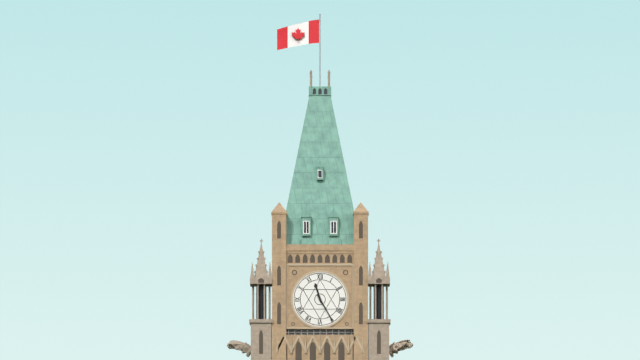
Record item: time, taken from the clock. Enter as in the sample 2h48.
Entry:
11h25
